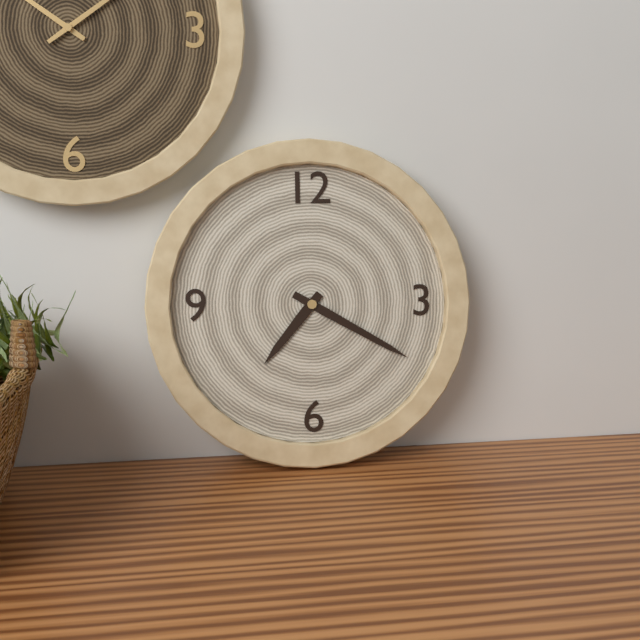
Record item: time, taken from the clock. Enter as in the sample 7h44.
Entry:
7h20
